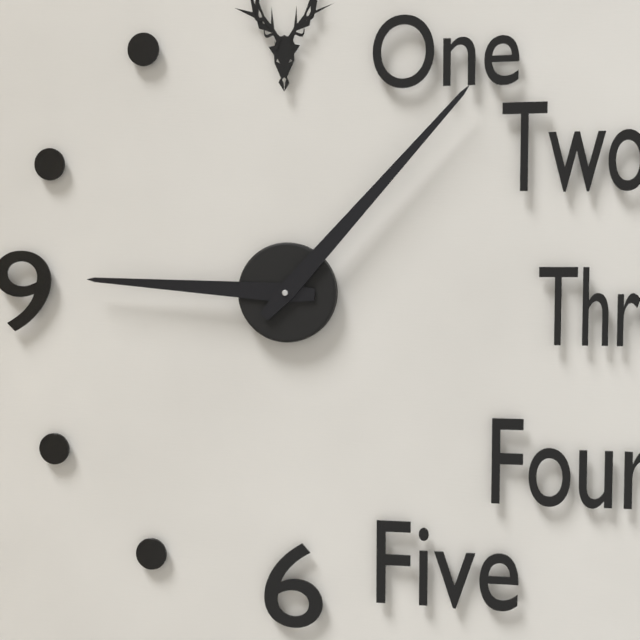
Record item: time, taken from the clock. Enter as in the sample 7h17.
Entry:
9h07
